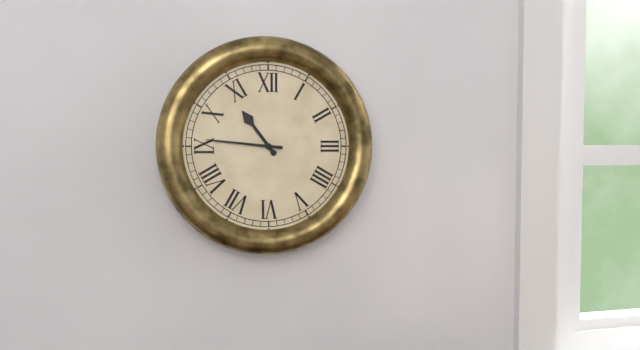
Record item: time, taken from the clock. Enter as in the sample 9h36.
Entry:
10h46
